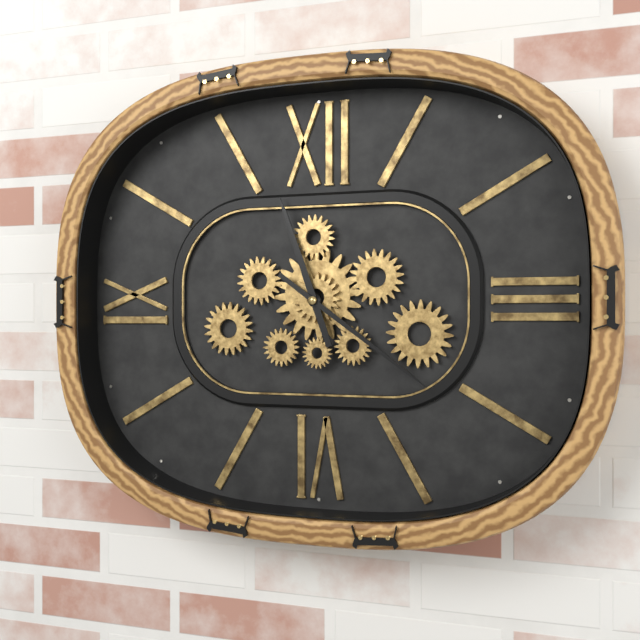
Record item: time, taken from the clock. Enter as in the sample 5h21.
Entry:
11h21
